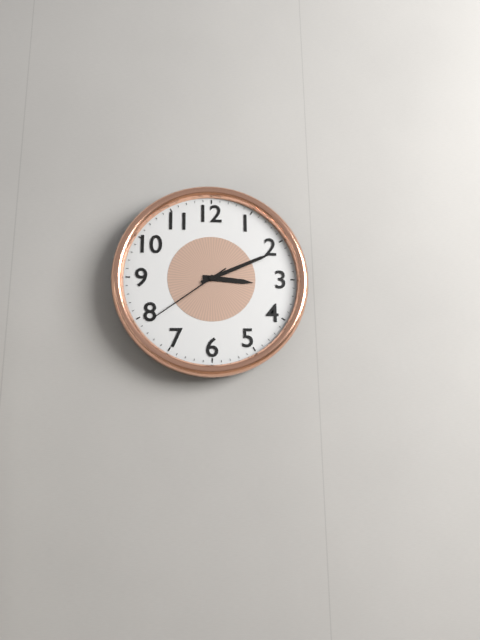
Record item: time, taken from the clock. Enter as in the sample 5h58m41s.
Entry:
3h11m39s
